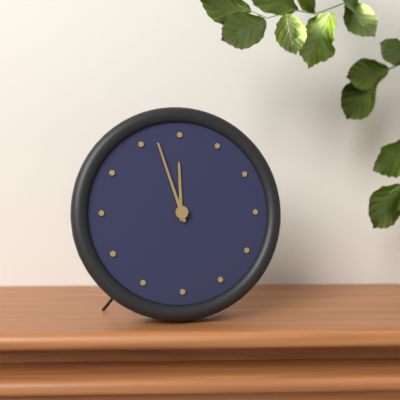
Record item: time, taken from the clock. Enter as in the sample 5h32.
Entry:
11h57
